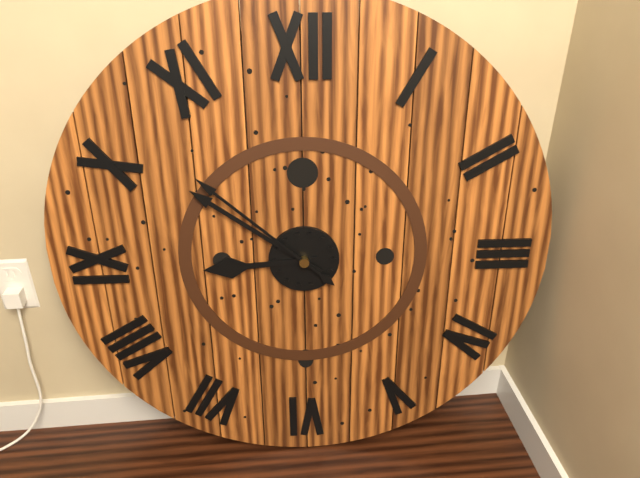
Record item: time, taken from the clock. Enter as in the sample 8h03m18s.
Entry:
8h51m52s
